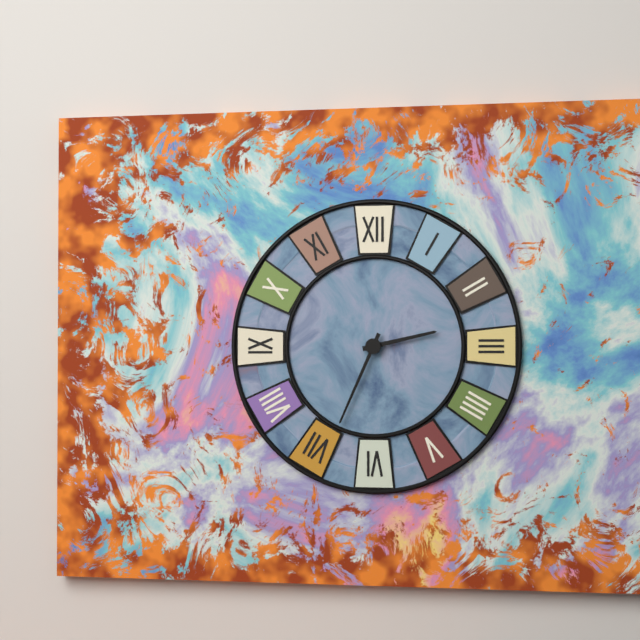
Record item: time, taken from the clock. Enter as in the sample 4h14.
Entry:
2h34
